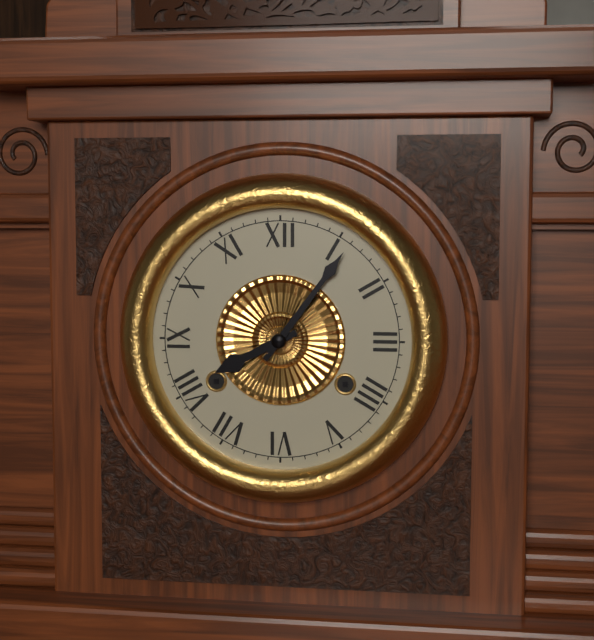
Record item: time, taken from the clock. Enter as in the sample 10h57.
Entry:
8h06
